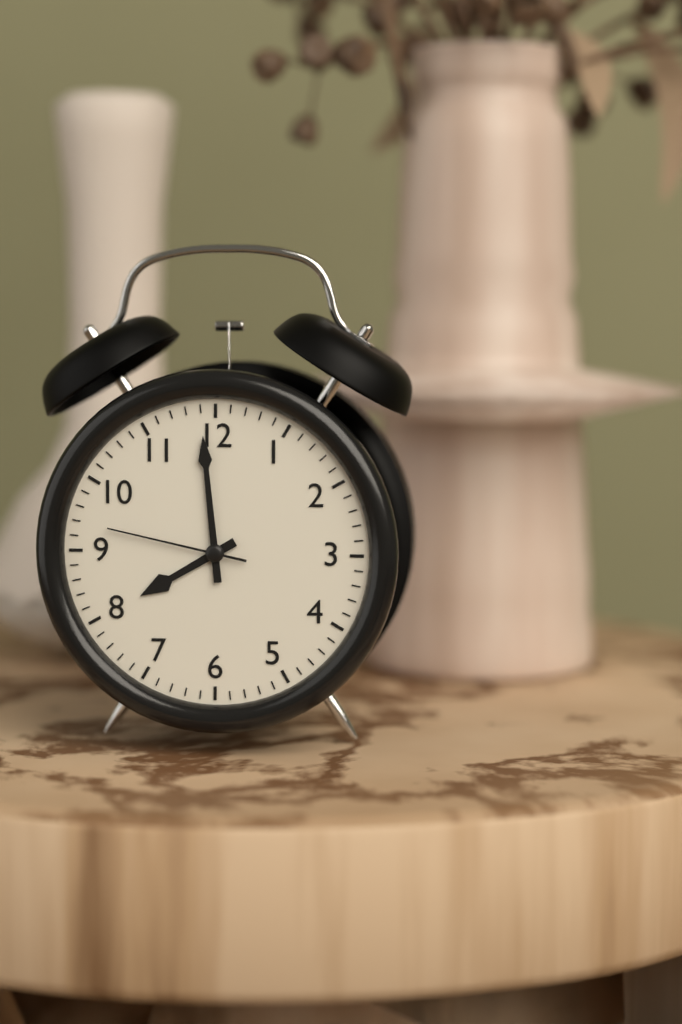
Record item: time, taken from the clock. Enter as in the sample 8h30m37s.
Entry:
7h59m47s
